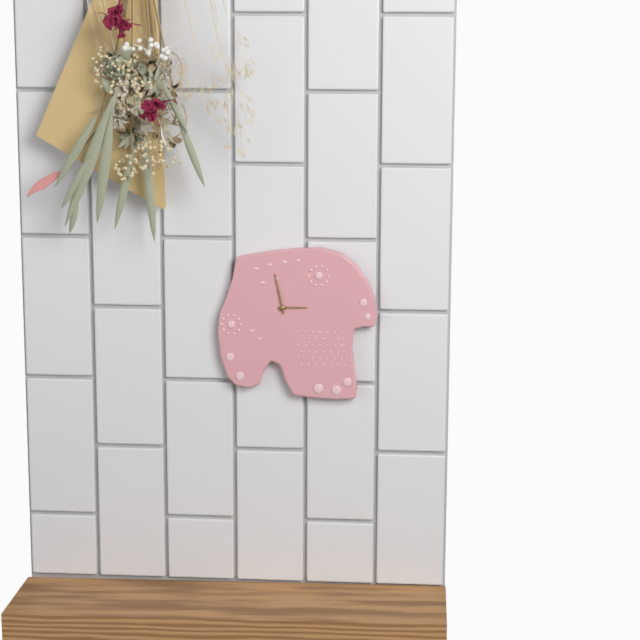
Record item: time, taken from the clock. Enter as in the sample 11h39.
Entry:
2h58
